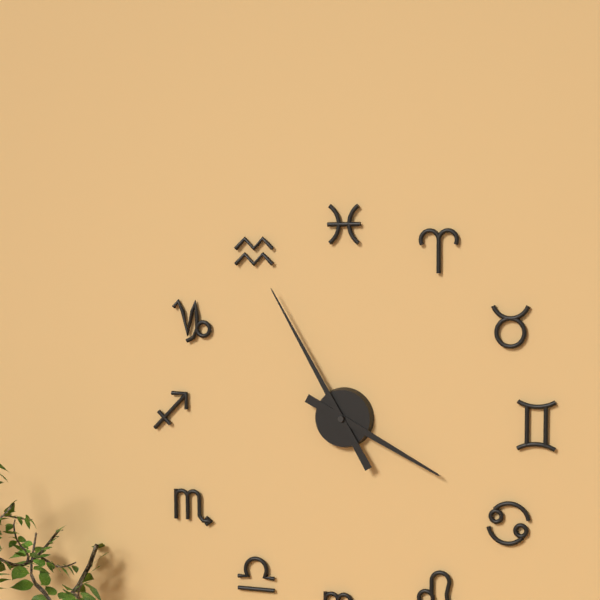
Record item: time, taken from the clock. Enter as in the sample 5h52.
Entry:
3h55
